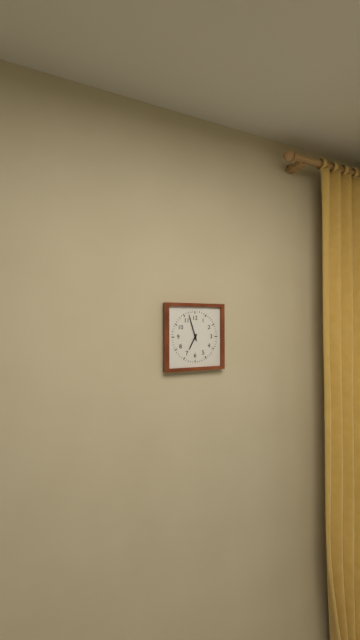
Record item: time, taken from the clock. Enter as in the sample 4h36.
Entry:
6h57
